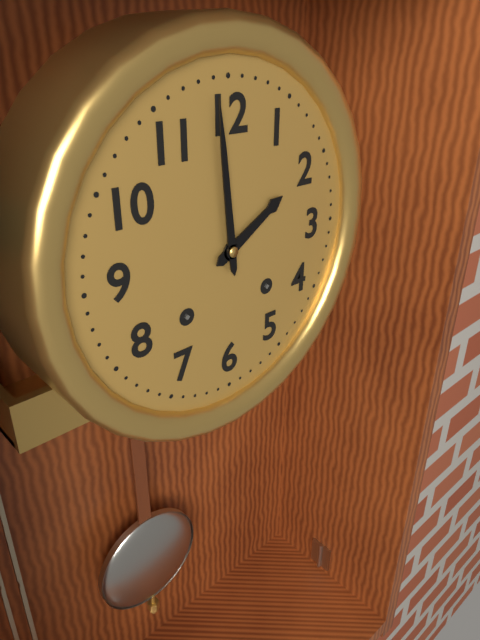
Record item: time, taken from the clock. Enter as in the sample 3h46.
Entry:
1h59
